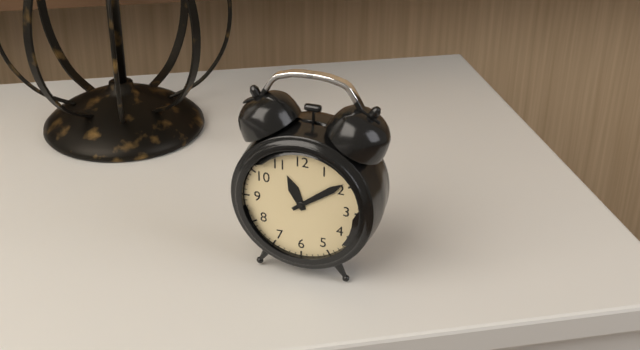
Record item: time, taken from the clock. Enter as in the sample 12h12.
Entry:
11h09
